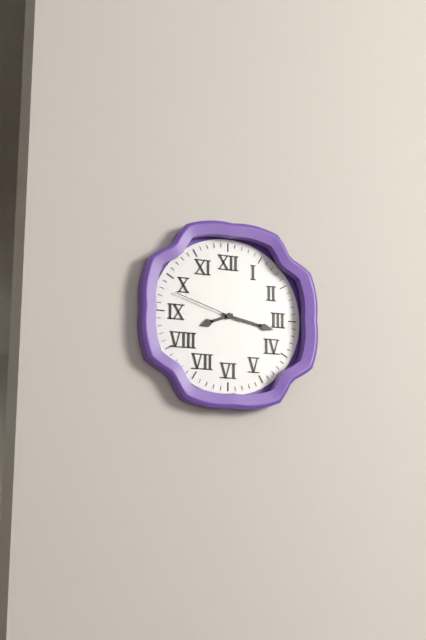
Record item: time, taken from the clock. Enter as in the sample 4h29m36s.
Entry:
8h17m48s
